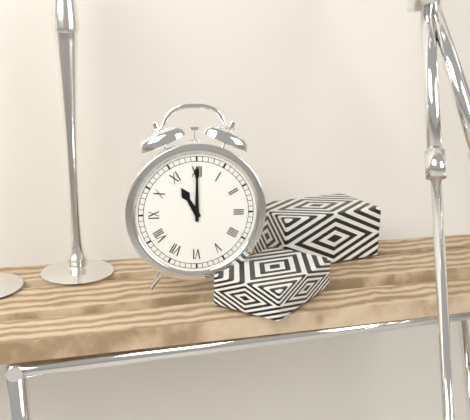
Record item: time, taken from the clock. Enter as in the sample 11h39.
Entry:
11h00
